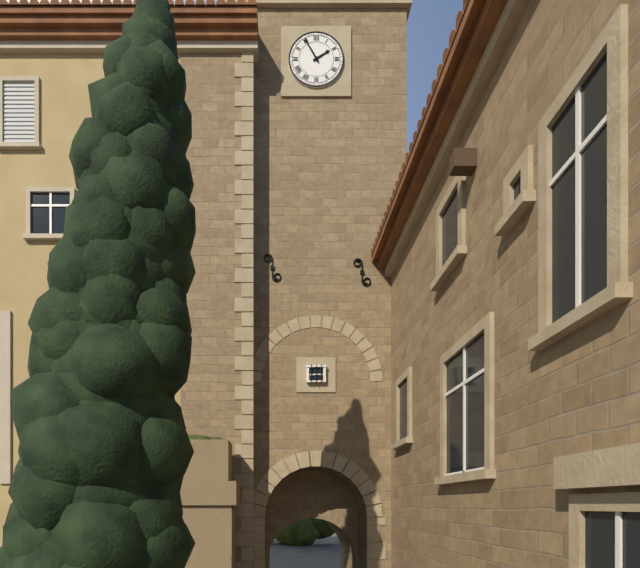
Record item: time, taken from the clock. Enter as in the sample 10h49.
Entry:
1h55
